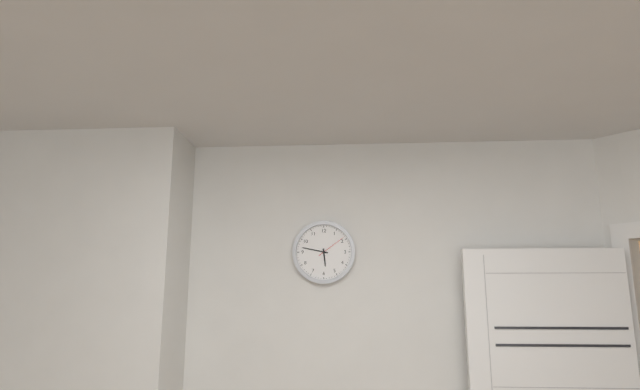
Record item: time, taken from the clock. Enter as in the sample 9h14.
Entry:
5h47
